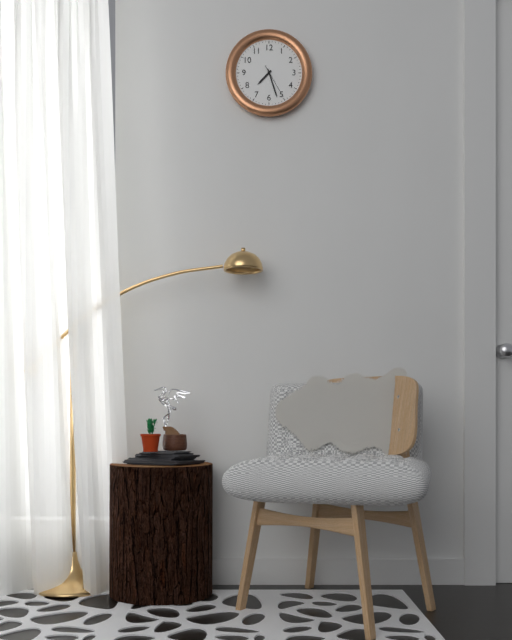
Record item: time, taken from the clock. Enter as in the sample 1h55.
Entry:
7h27
